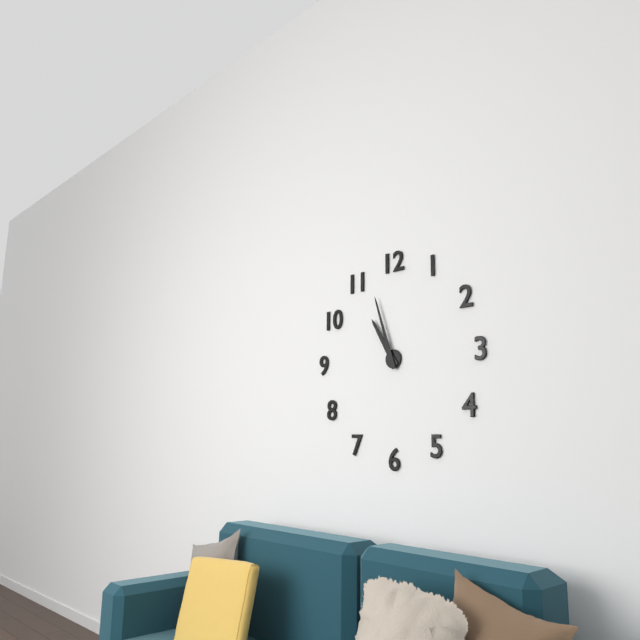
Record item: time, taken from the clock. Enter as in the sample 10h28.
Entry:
10h57
